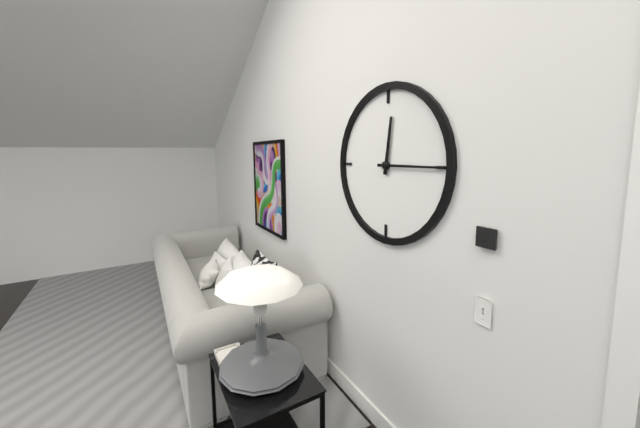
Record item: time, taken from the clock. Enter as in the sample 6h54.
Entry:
12h15
